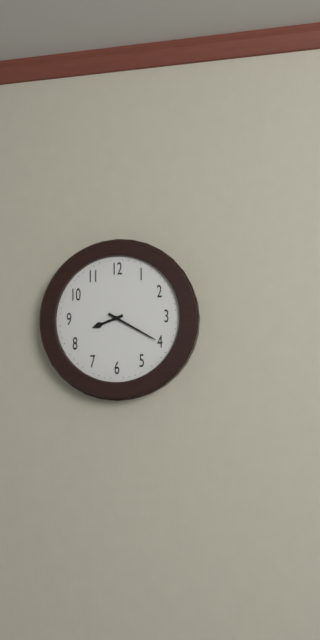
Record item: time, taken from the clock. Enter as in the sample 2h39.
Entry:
8h20
